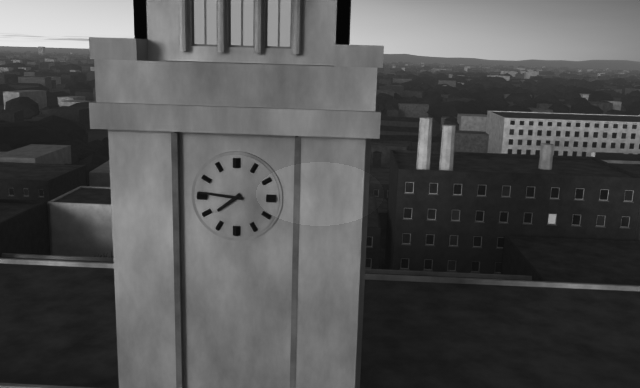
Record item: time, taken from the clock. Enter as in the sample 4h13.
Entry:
7h46
